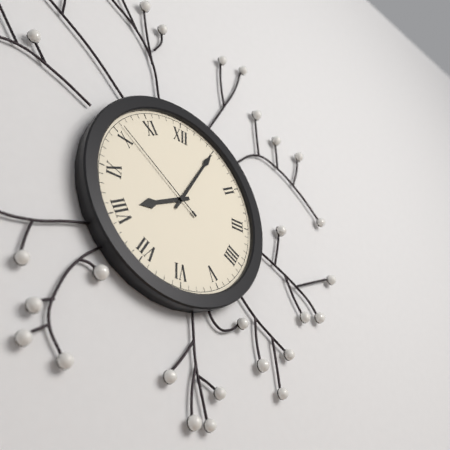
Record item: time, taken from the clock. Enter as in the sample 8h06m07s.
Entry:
8h05m51s
